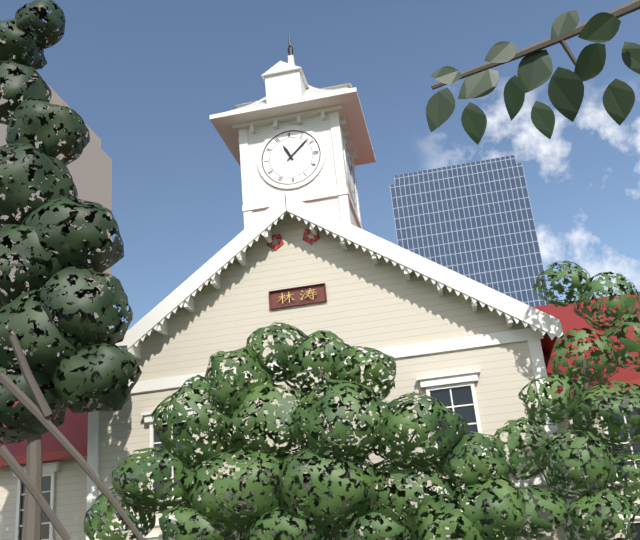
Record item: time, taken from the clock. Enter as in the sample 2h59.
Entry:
11h08
